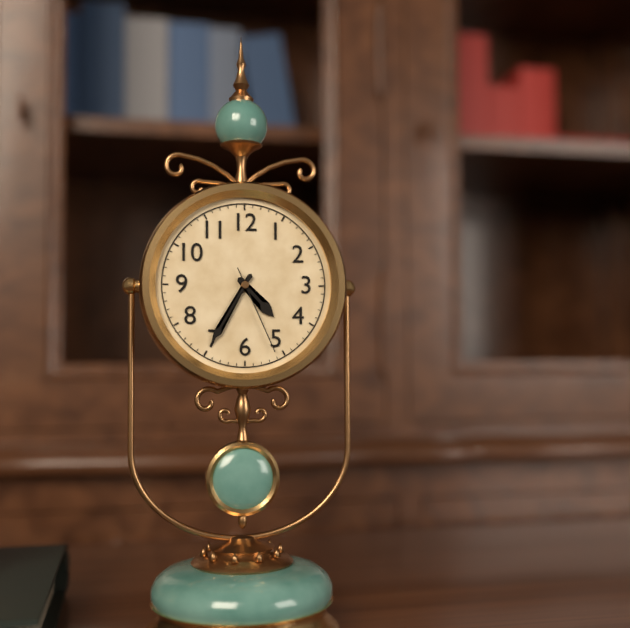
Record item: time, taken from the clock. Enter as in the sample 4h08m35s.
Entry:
4h35m26s
